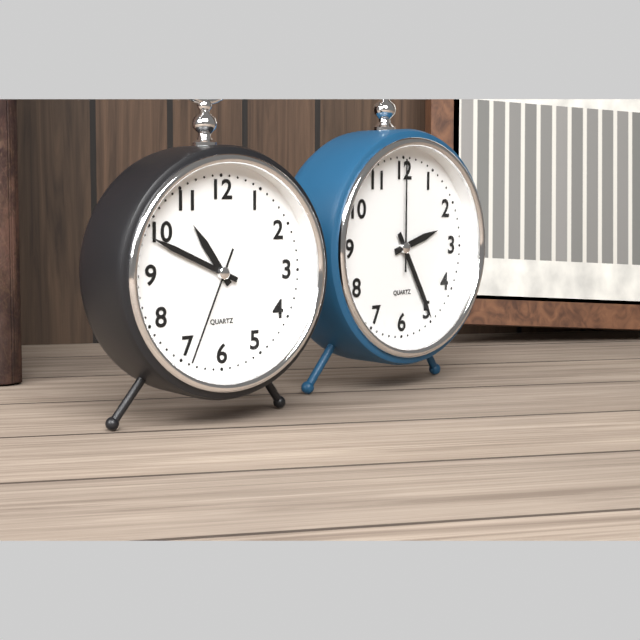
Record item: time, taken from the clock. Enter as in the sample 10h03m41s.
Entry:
10h49m34s
